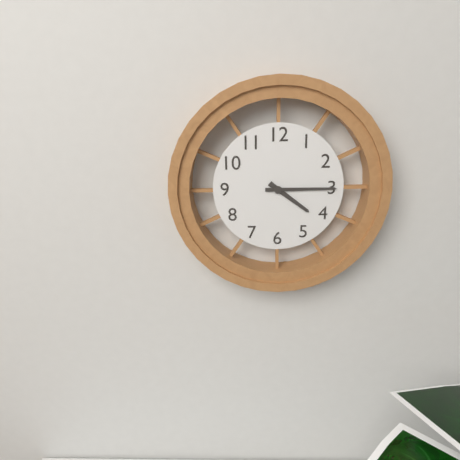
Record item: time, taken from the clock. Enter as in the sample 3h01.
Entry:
4h15
